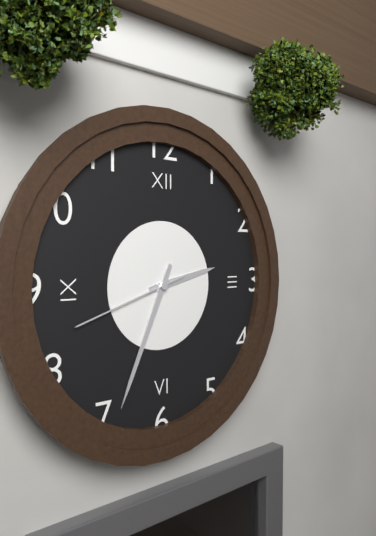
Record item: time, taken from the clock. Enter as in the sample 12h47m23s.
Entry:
2h34m42s
